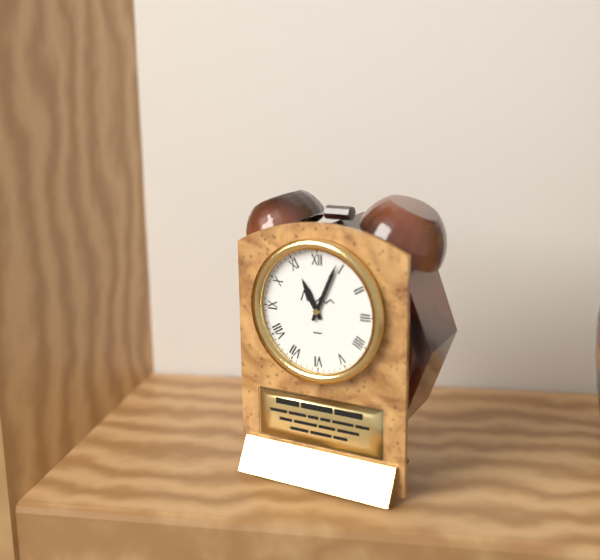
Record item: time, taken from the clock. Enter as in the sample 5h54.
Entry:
11h04
